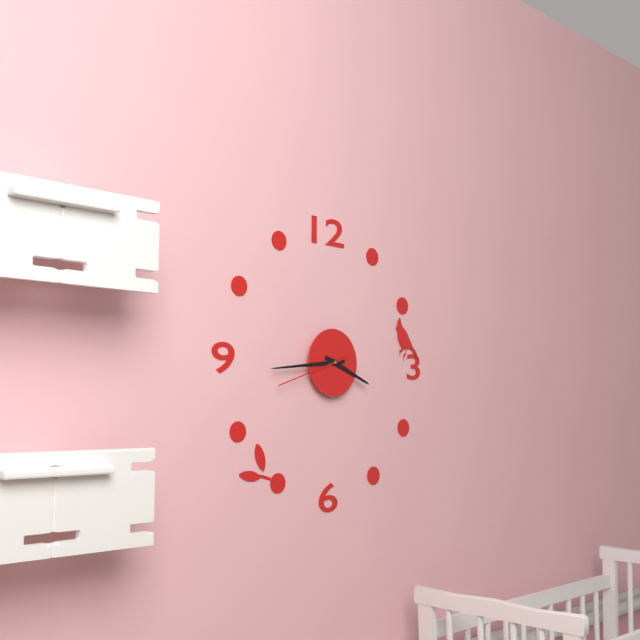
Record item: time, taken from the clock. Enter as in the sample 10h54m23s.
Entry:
3h44m42s
